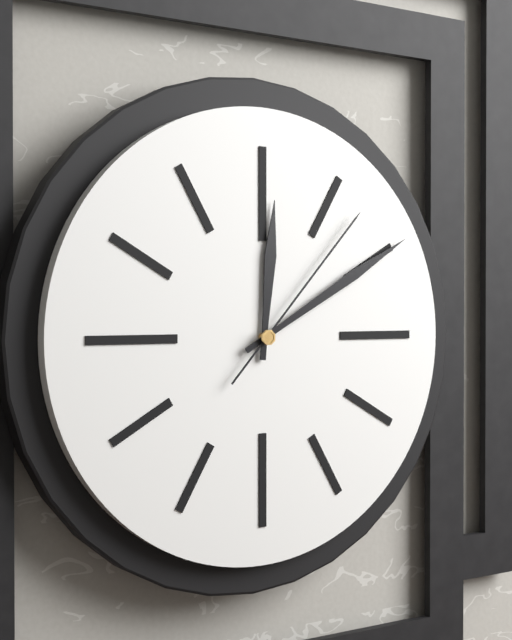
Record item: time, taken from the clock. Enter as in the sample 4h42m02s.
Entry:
12h10m07s
